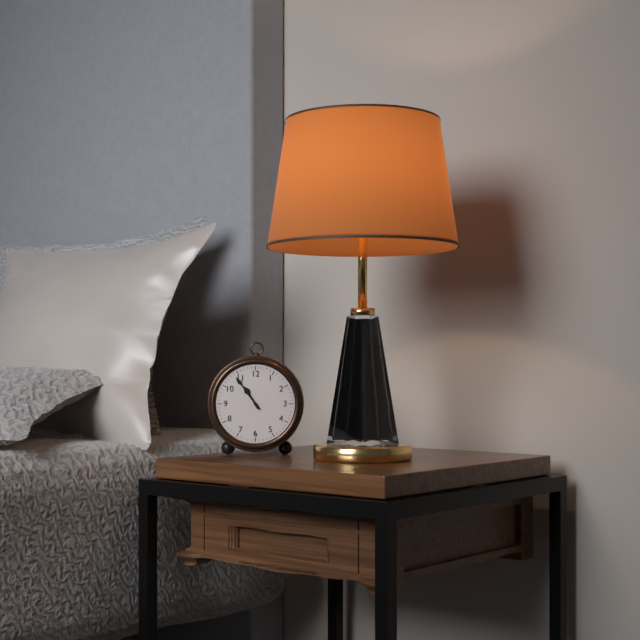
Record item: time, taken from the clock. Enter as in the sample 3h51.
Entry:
10h54
